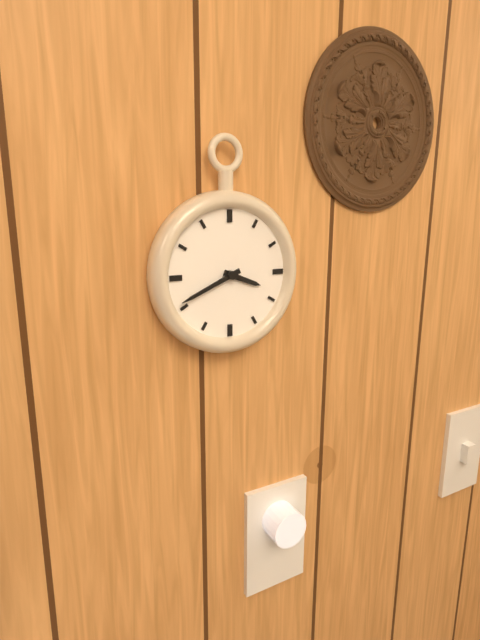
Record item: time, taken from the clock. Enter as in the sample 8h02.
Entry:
3h41
